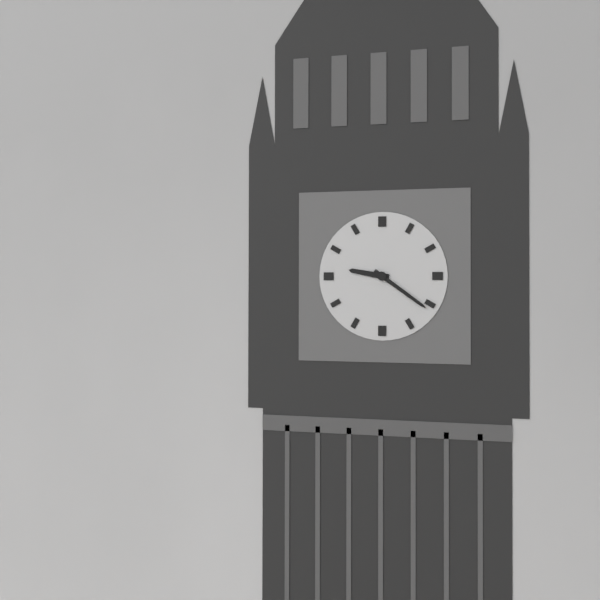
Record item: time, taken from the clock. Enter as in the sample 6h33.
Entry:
9h21
